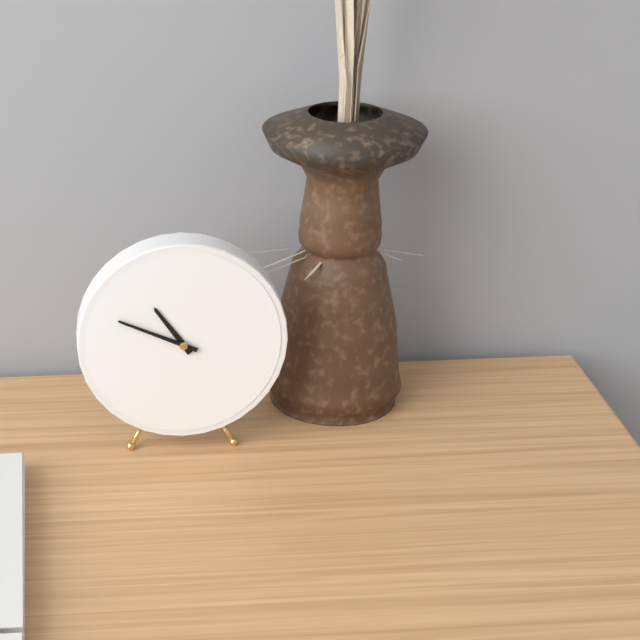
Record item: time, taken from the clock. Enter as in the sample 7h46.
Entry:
10h49
